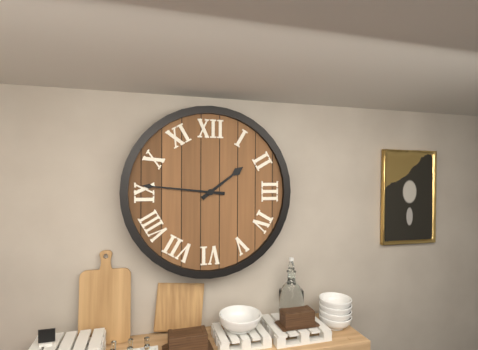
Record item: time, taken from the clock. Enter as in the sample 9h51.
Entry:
1h46
